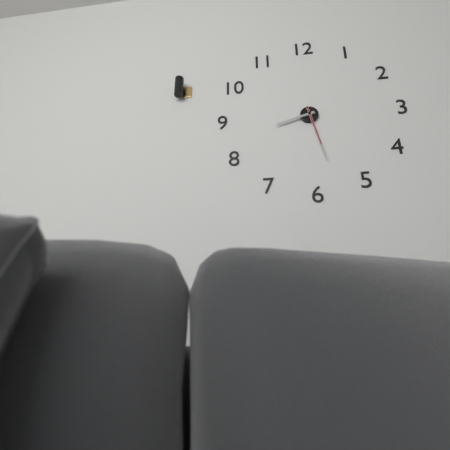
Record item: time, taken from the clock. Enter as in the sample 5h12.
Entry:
8h28
